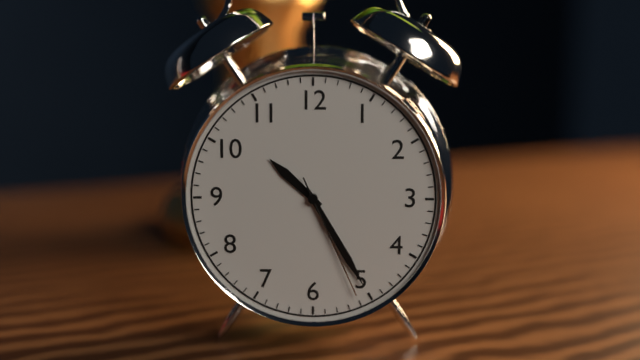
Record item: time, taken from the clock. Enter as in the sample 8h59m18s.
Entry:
10h25m26s
